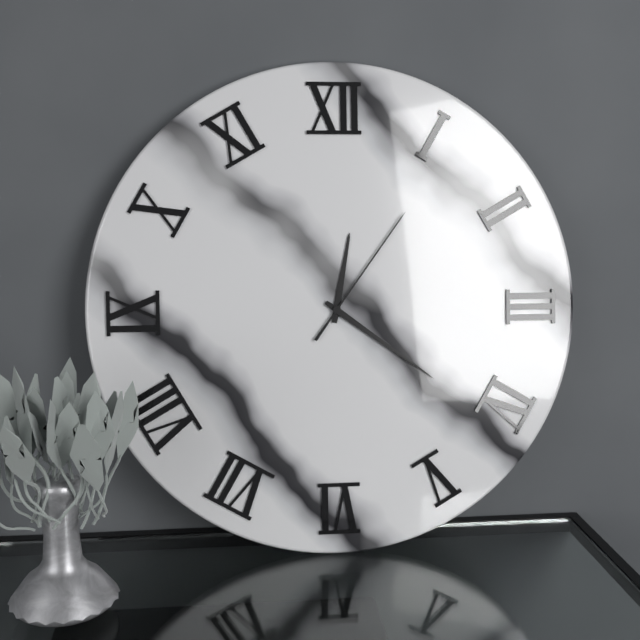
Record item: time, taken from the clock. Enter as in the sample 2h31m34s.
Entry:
12h21m06s
